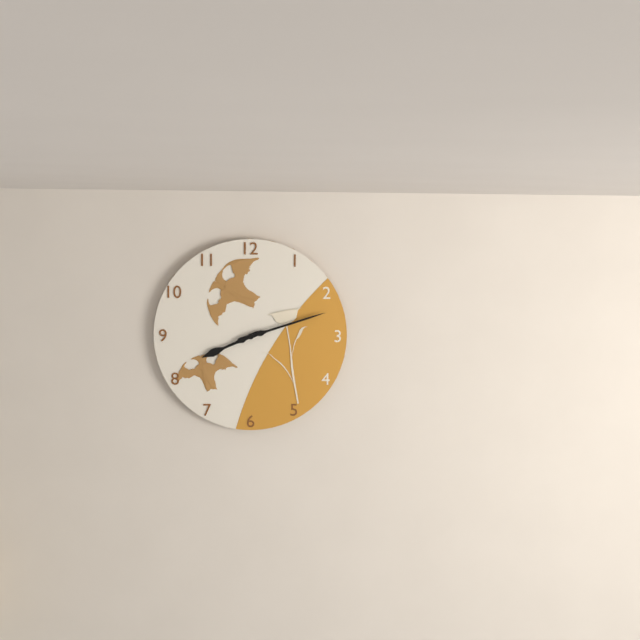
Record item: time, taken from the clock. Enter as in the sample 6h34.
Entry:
8h12
